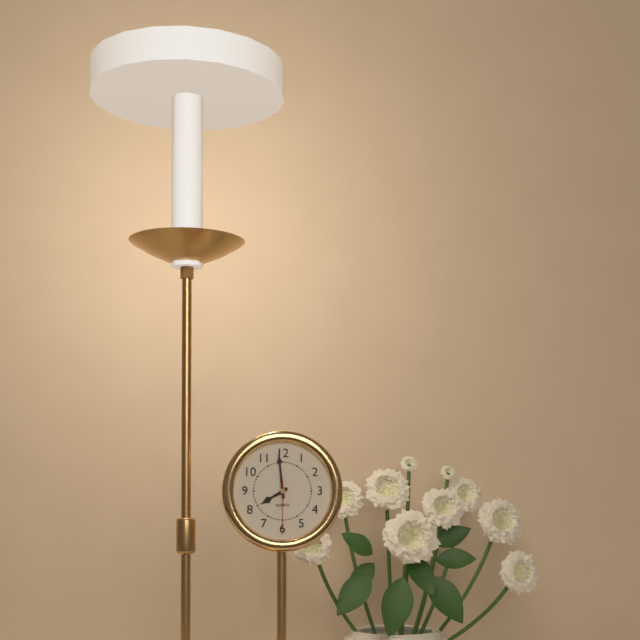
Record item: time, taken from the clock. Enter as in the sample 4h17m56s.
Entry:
7h59m30s
